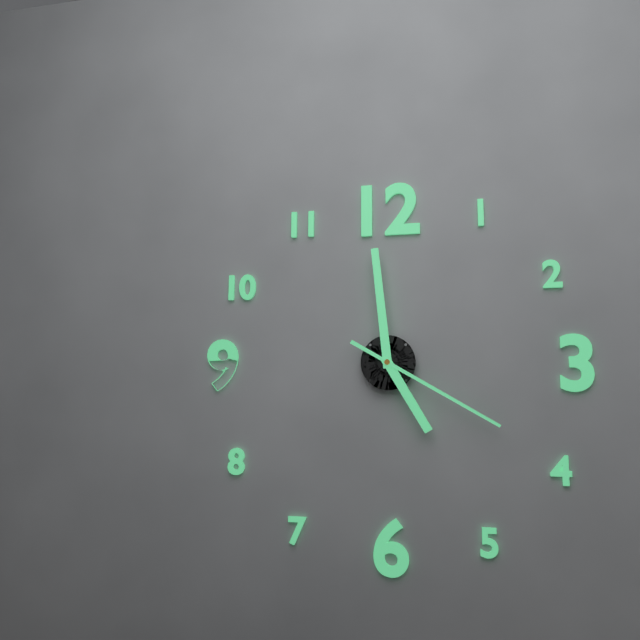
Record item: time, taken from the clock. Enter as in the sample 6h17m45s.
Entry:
4h59m20s
